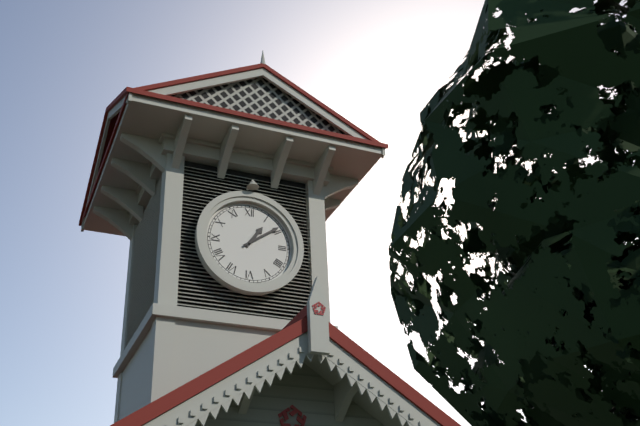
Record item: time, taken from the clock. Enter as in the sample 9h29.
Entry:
1h09
